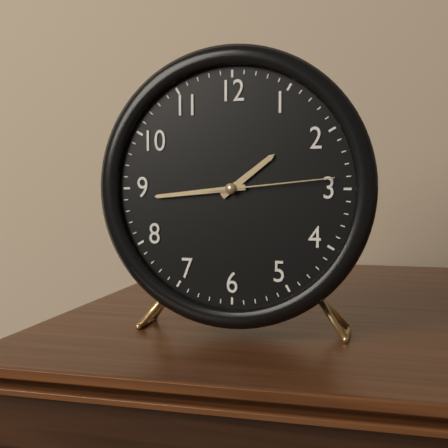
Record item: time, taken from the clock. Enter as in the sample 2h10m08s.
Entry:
1h44m14s
